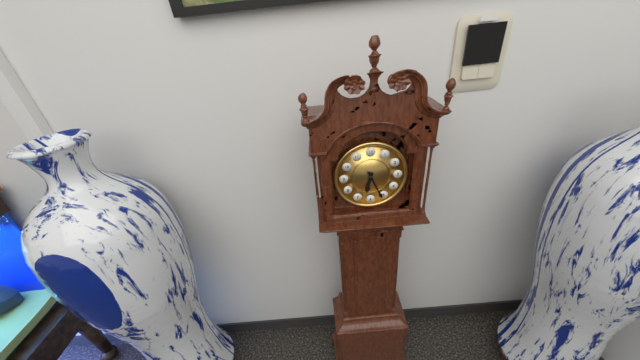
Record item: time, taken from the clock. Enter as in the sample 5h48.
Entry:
6h26
